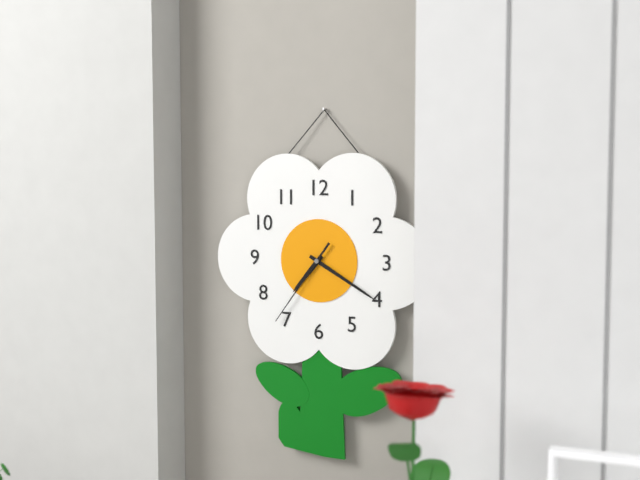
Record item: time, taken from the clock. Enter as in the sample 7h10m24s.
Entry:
7h20m36s
